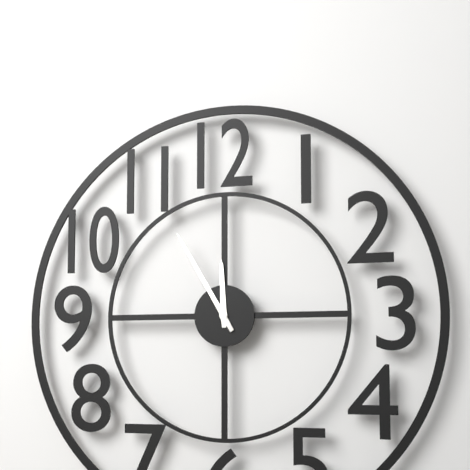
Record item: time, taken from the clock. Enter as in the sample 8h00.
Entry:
11h55
